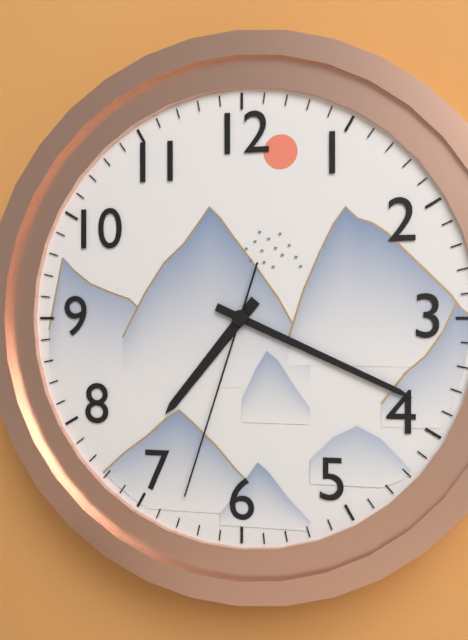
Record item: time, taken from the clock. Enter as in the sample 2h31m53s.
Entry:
7h19m33s
